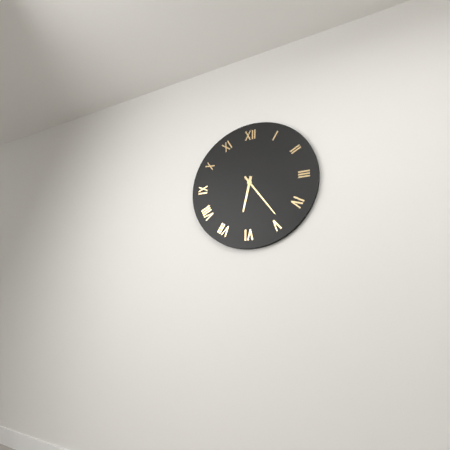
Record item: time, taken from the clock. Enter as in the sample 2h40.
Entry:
6h24
